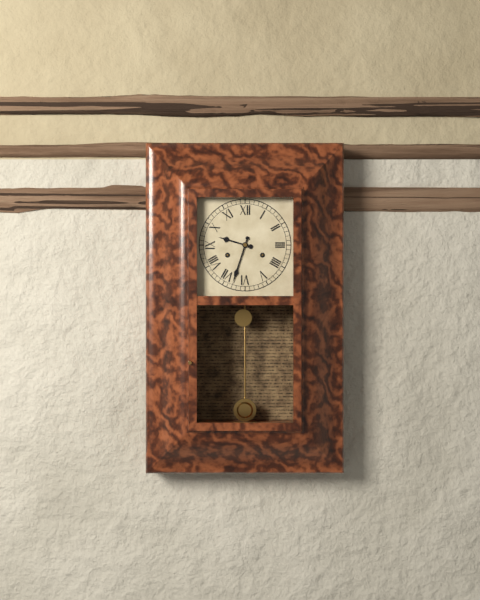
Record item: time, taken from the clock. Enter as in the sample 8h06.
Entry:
9h33
